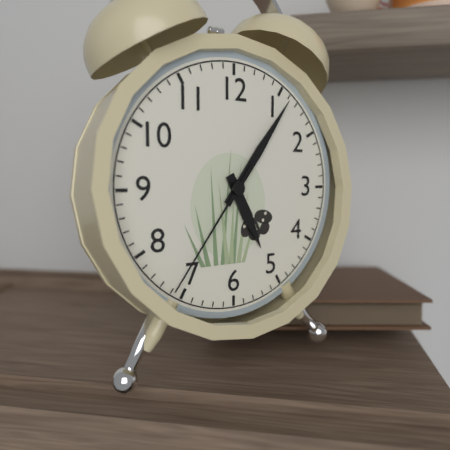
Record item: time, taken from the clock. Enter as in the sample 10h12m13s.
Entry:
5h06m36s
